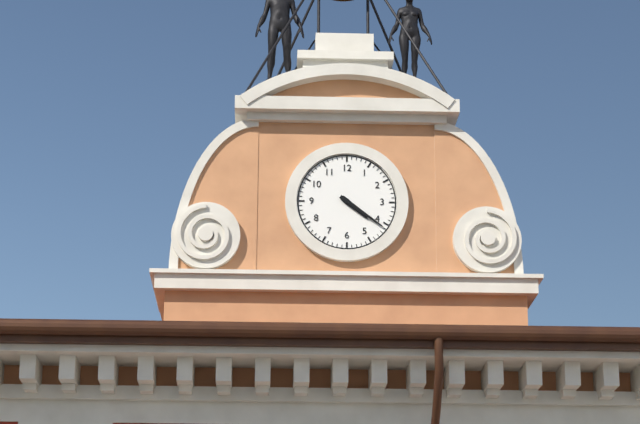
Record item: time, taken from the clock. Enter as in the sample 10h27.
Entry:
4h21
